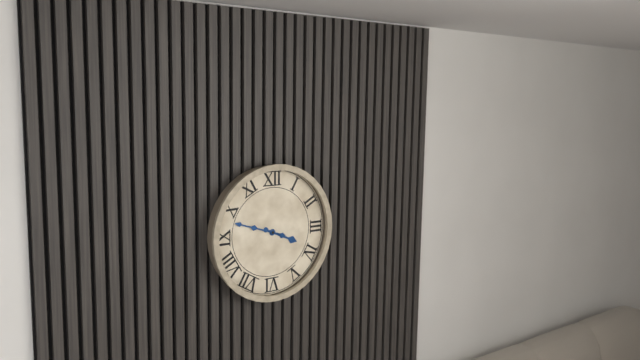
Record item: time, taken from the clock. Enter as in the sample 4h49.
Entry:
3h48
